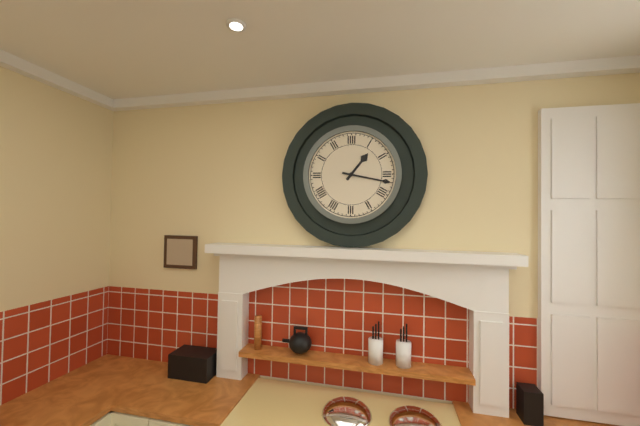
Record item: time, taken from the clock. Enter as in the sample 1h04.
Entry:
1h17
